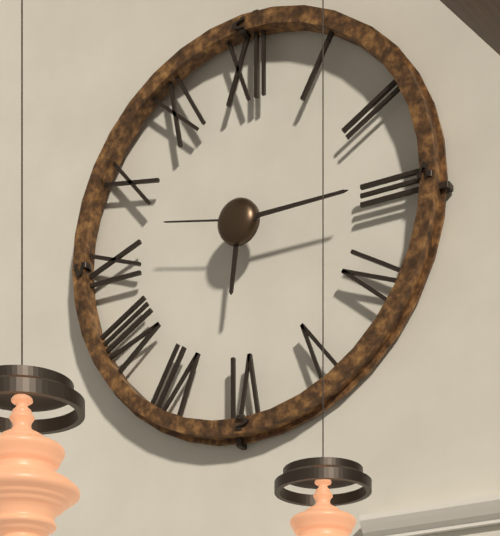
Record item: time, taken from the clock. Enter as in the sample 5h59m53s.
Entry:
6h15m47s
